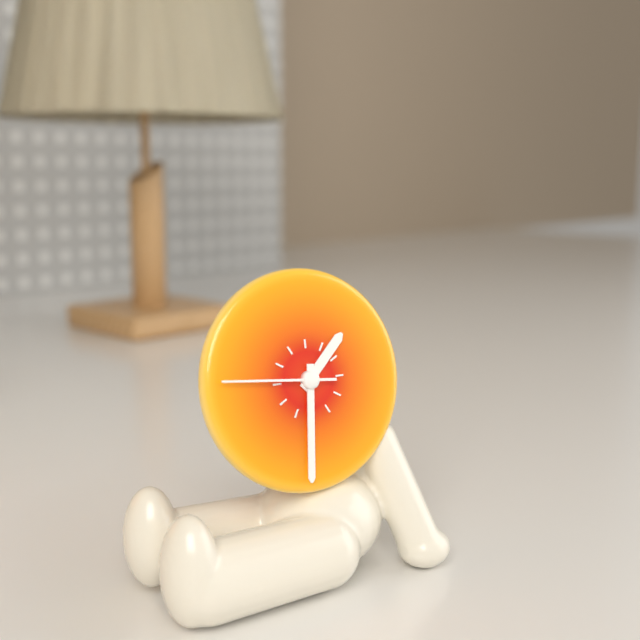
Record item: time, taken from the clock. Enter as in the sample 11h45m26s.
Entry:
1h31m46s
